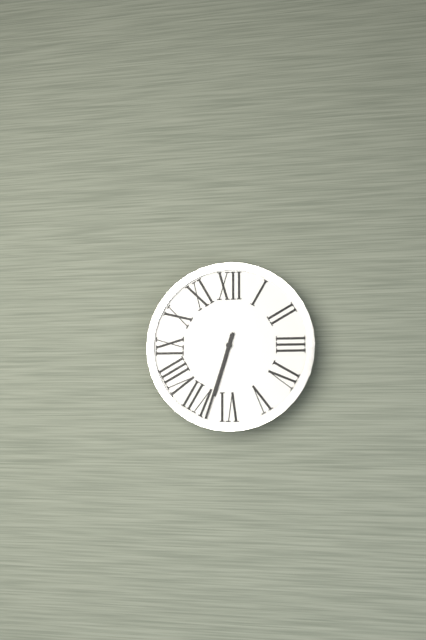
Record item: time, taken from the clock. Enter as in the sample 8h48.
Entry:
6h33
